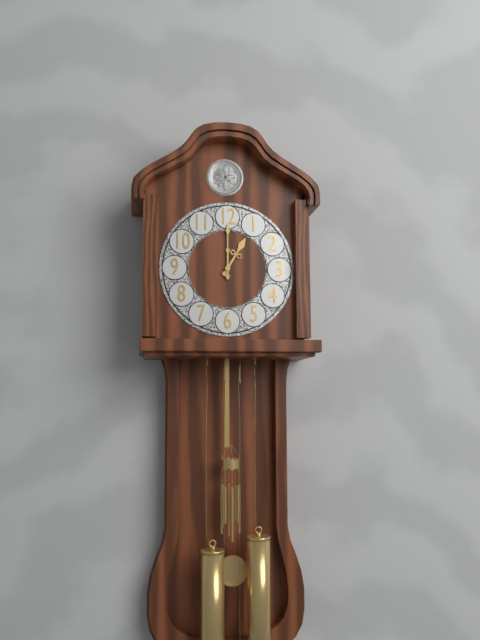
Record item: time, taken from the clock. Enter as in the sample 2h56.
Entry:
1h00
